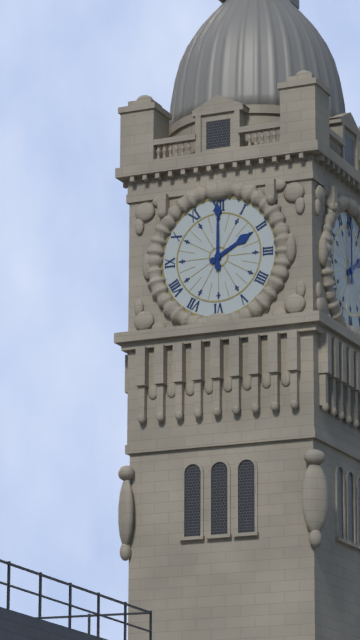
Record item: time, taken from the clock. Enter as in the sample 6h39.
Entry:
2h00
